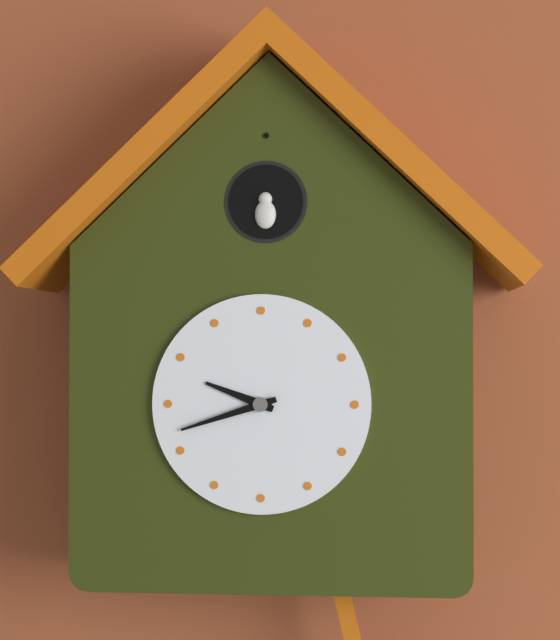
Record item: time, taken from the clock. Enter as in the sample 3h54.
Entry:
9h42
